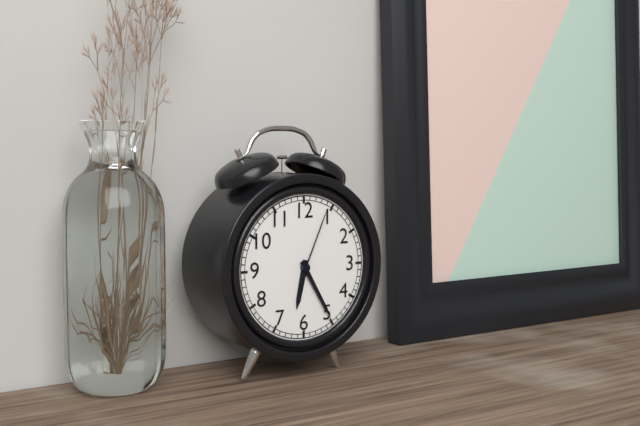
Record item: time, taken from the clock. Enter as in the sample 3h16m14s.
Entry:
6h25m04s
